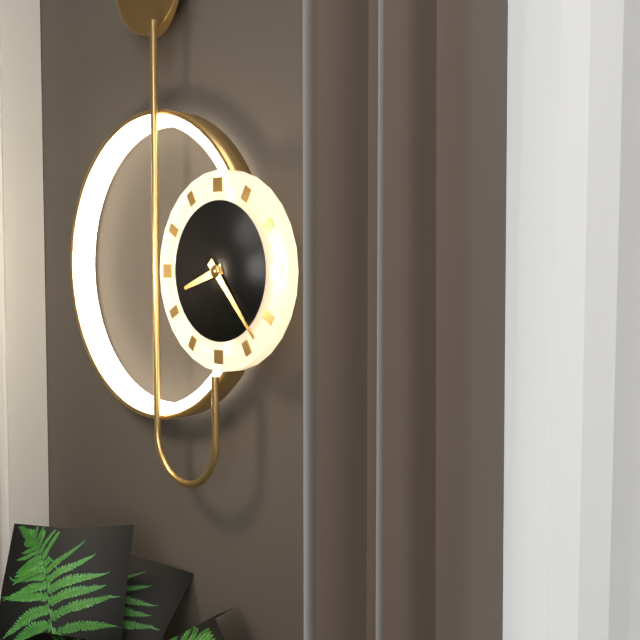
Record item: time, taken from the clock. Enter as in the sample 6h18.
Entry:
8h23
